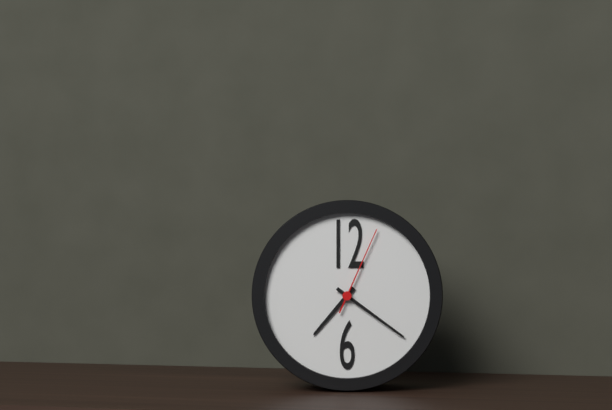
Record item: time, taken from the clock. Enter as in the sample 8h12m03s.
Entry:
7h21m04s
